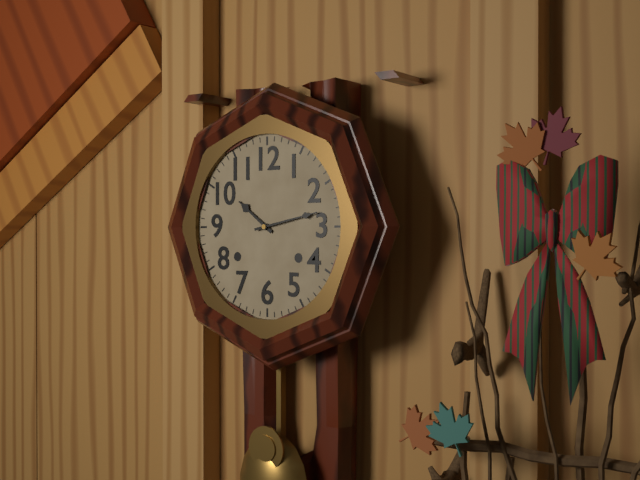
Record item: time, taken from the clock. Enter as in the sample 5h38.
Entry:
10h13
